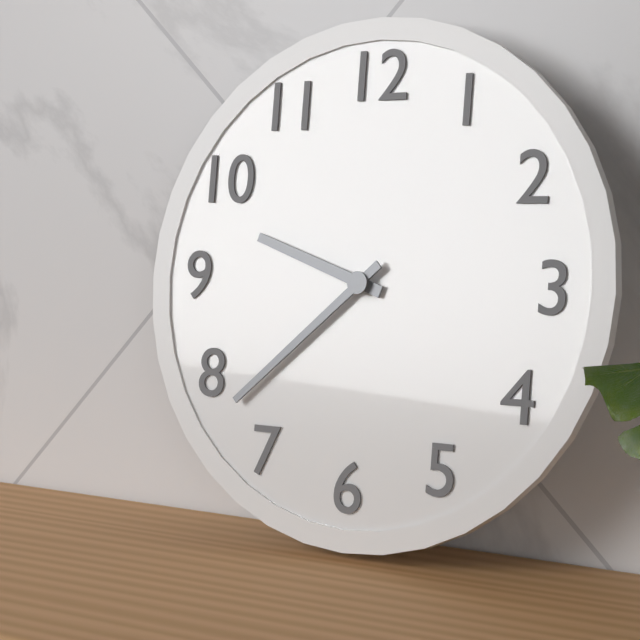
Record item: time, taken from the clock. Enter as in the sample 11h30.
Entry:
9h38
